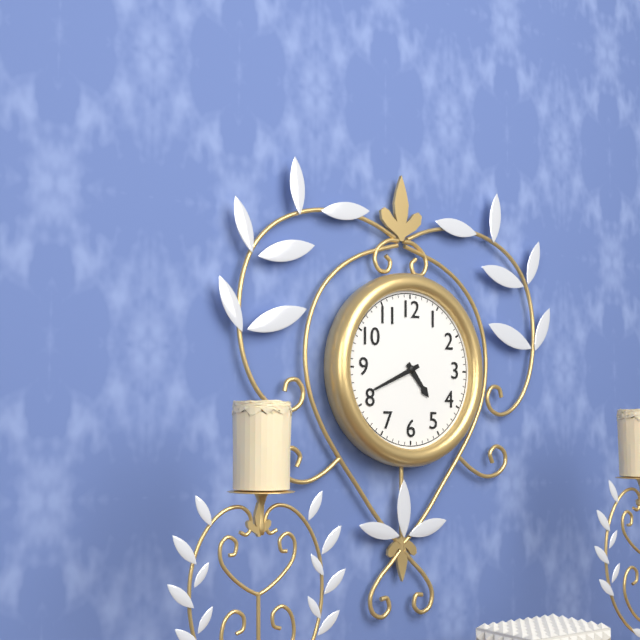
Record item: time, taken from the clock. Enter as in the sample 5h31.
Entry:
4h41
